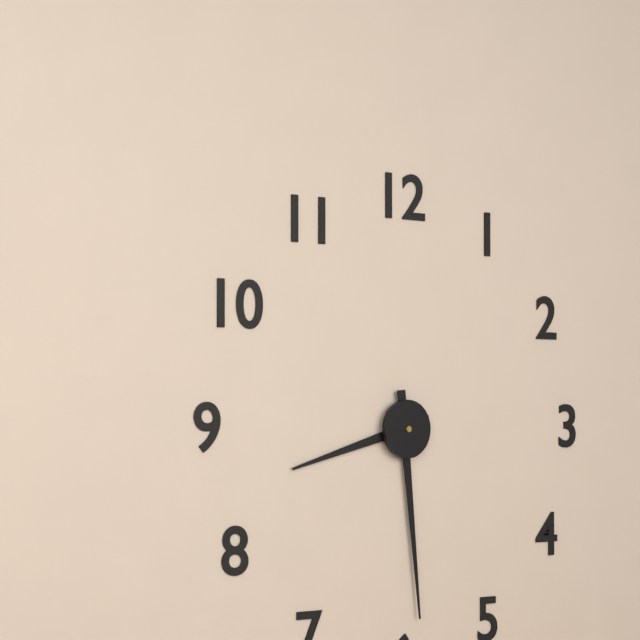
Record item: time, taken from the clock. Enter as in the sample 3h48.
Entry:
8h29
